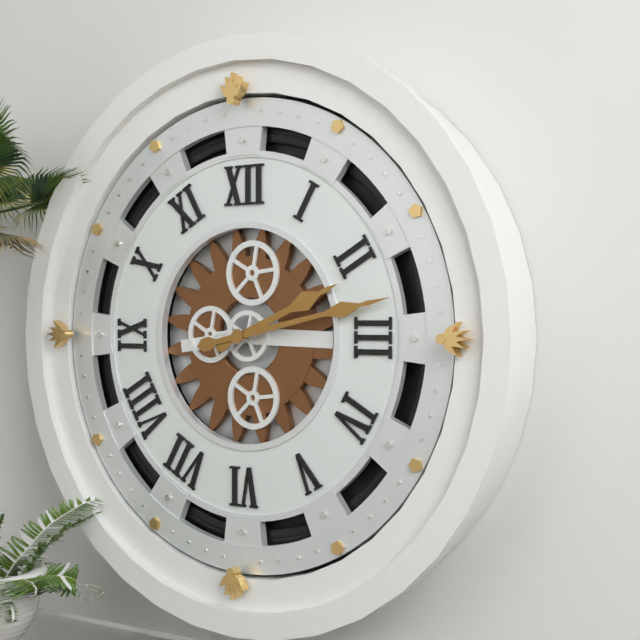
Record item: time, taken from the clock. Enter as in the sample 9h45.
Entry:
2h13
